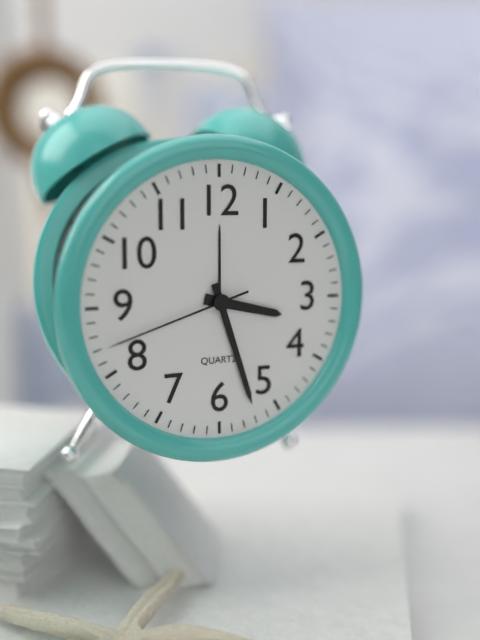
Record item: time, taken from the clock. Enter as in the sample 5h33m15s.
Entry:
3h27m42s
